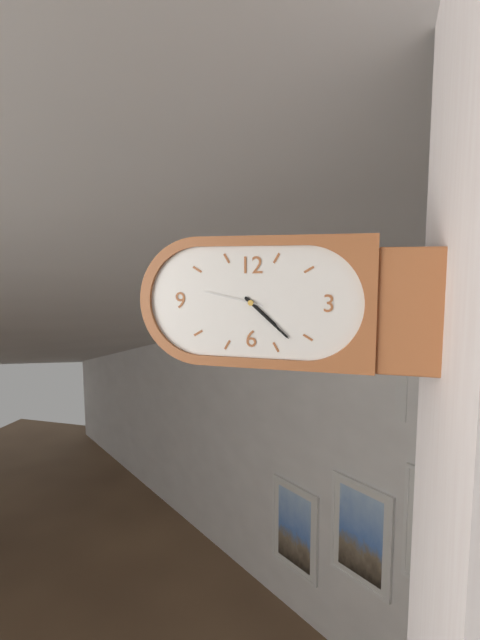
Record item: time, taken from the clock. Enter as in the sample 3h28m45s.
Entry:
4h22m47s
